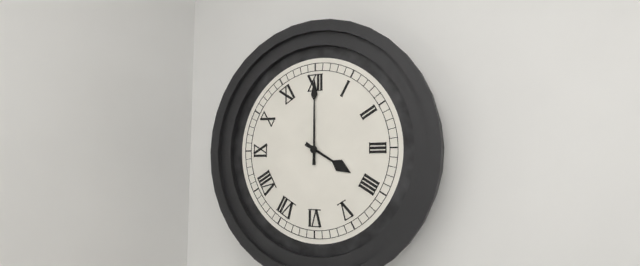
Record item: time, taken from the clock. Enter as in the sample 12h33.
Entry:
4h00
